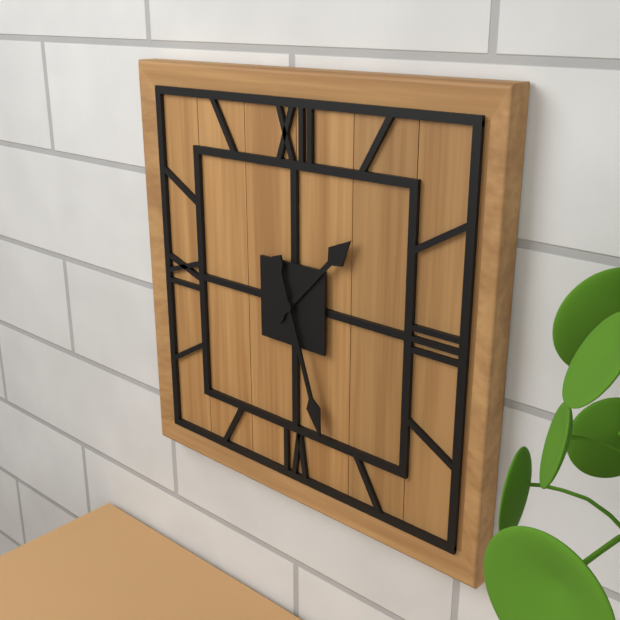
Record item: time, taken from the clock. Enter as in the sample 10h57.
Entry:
1h27
